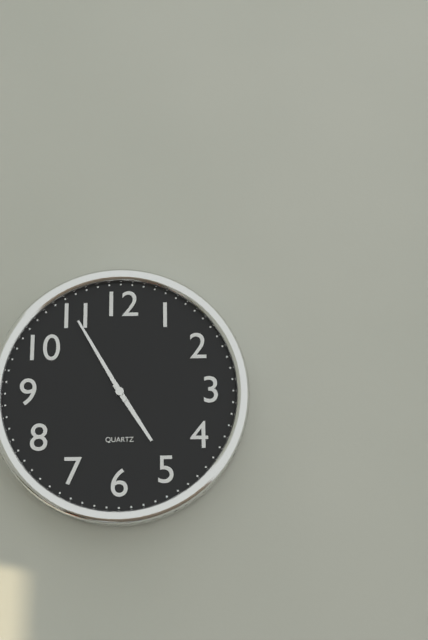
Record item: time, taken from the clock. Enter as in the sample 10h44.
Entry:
4h55
